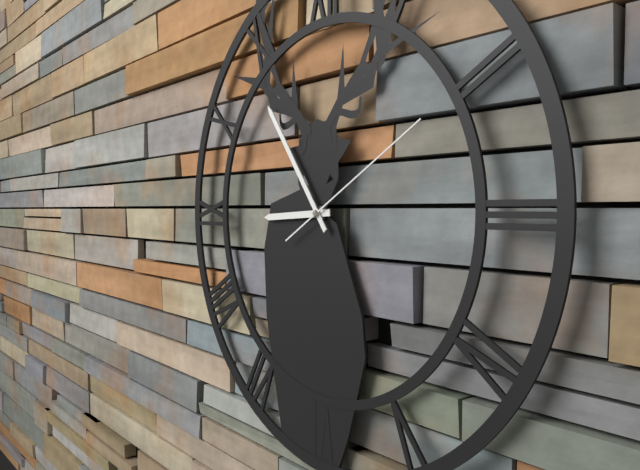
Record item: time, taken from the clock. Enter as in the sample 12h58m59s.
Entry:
8h54m10s
